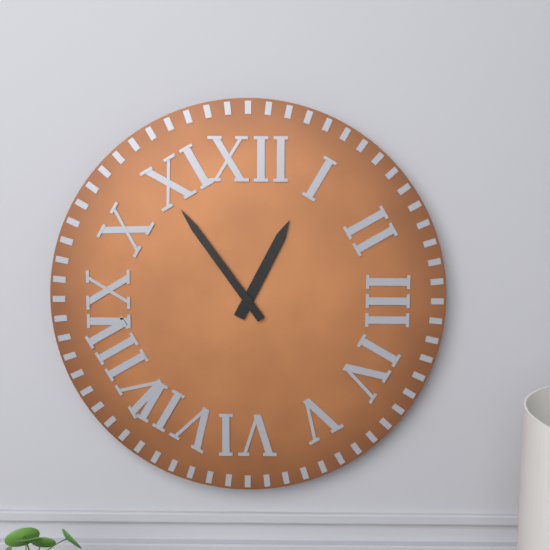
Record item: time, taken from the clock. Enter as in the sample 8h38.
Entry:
12h54
